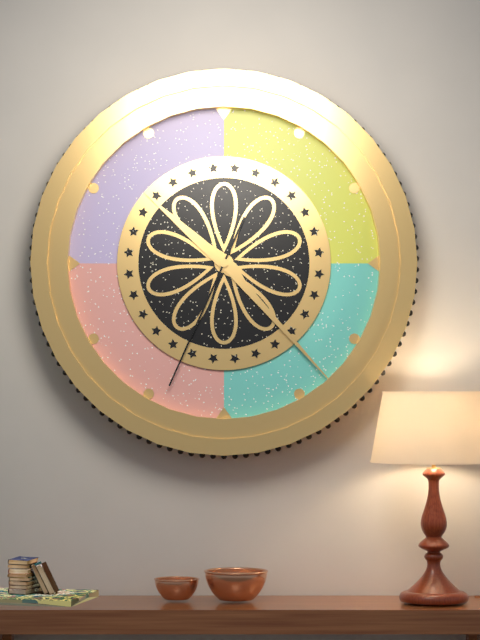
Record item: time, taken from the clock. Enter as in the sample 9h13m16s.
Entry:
10h23m34s
